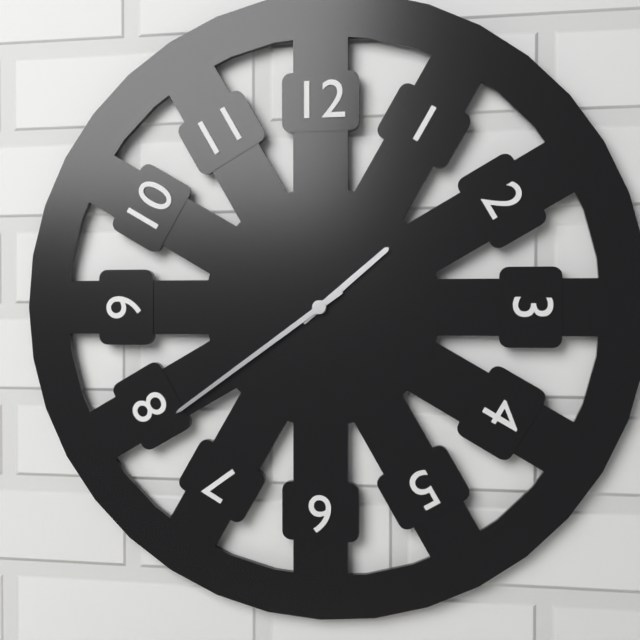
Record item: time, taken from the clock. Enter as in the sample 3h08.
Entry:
1h39
